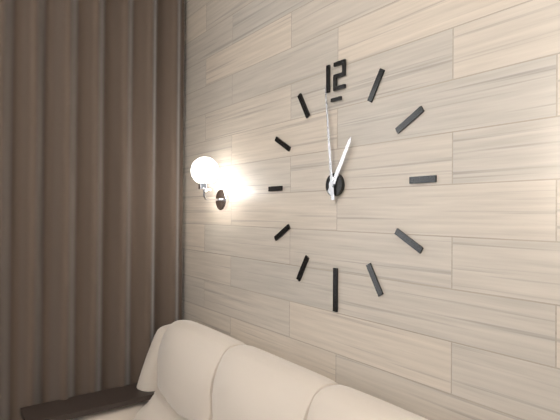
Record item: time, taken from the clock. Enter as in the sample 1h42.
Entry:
12h59
